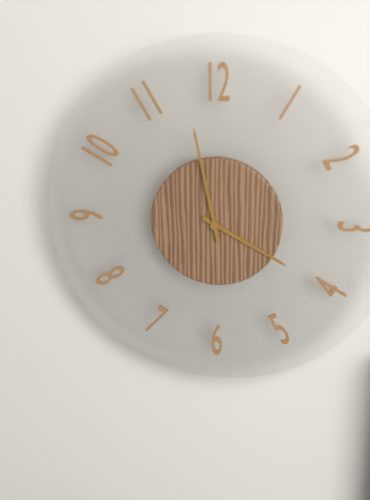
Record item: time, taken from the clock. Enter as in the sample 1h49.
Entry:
3h58
